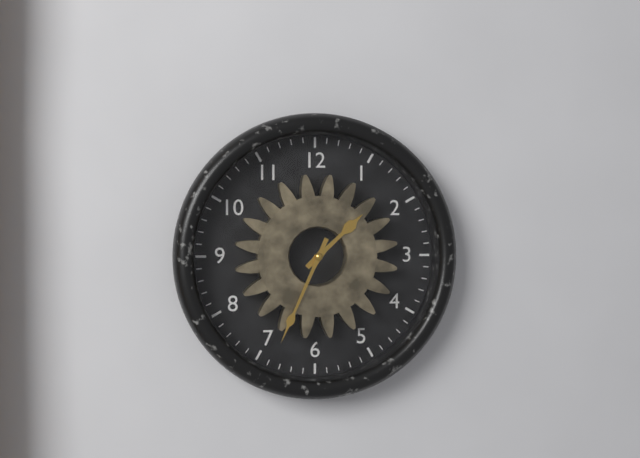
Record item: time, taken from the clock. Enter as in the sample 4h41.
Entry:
1h34
